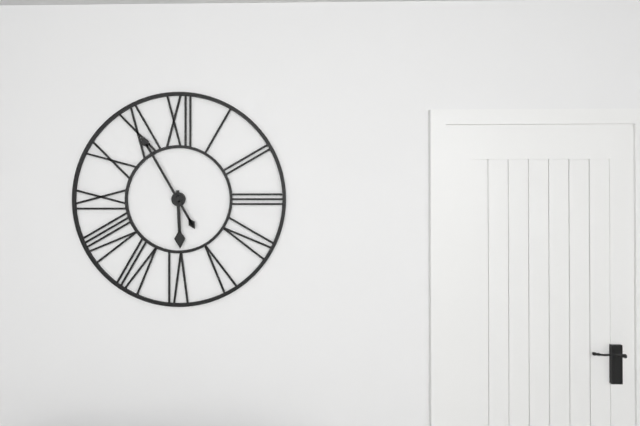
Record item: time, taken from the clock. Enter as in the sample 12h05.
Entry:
5h55
